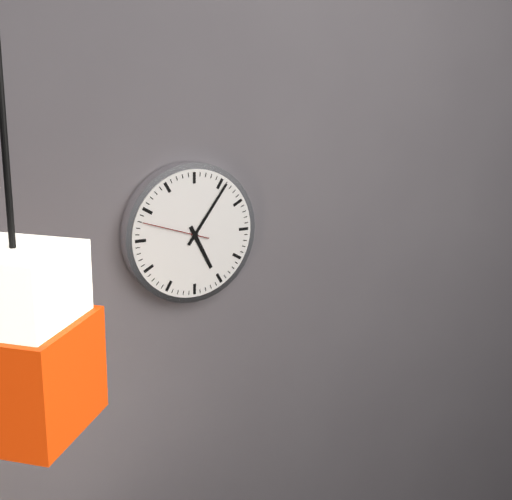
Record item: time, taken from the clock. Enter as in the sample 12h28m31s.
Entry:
5h06m48s
